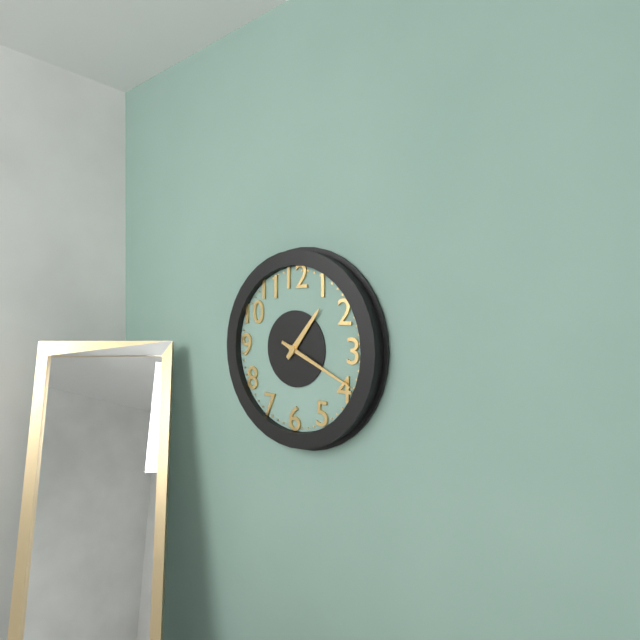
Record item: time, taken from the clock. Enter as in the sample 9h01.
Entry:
1h19
